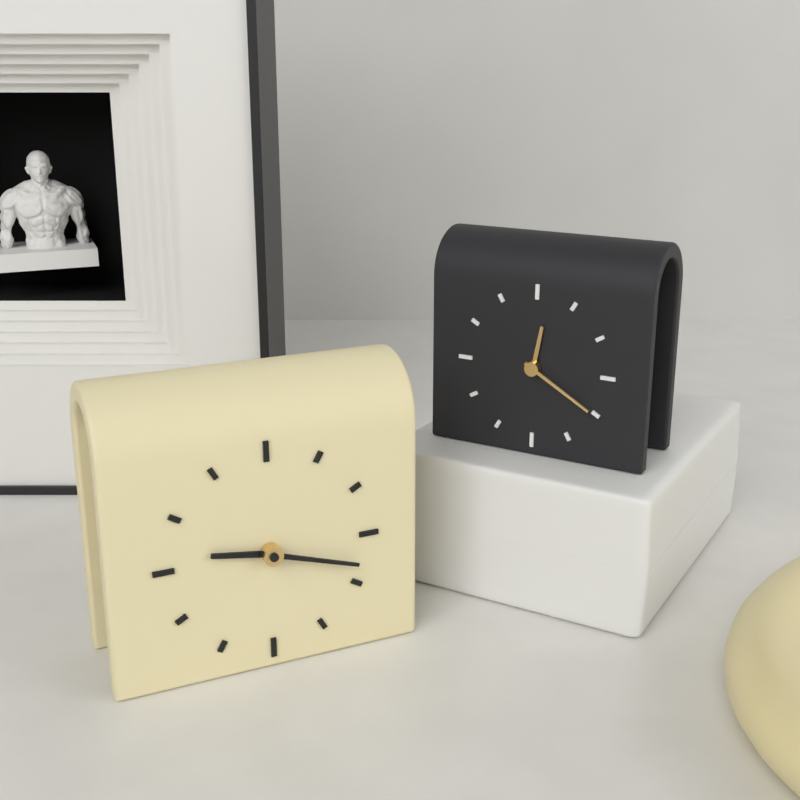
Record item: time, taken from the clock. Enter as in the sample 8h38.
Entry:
9h18
